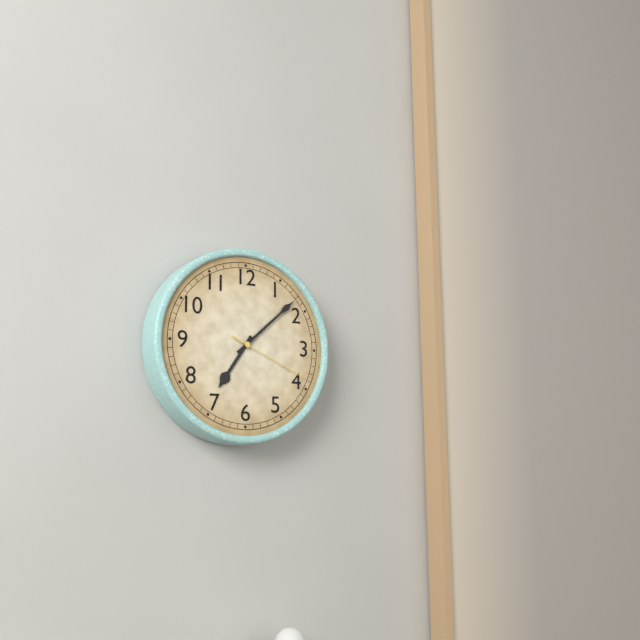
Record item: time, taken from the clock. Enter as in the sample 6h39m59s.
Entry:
7h08m19s
